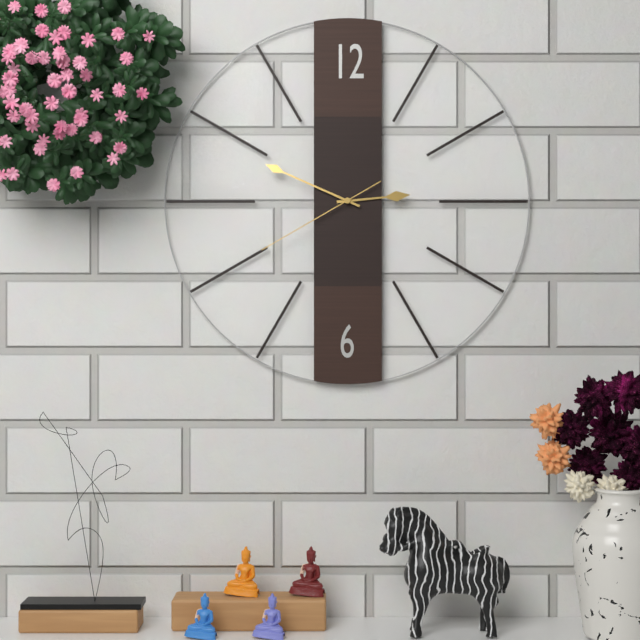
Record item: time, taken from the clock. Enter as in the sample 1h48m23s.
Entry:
2h49m40s
